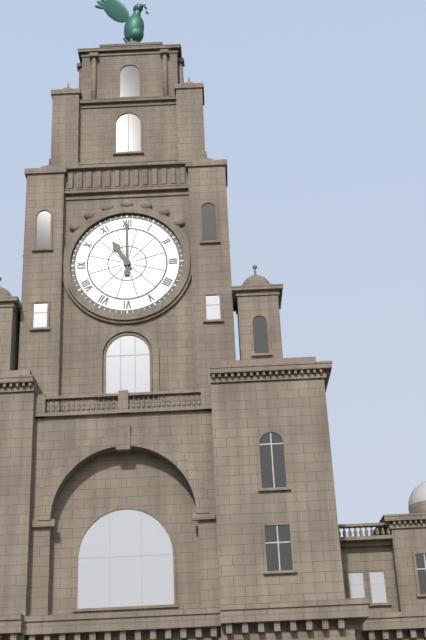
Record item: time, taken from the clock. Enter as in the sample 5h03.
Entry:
11h00
